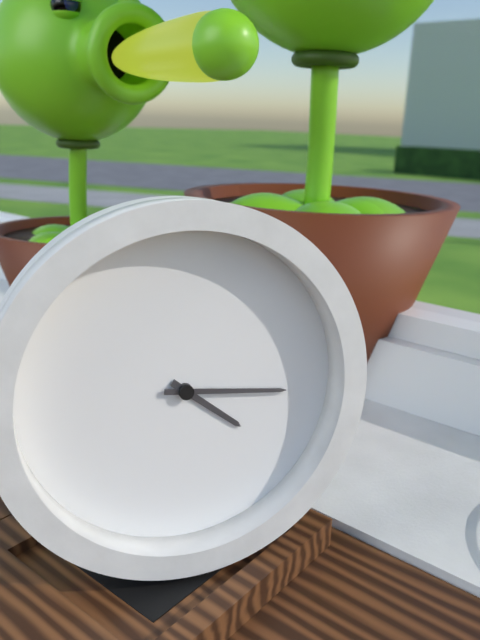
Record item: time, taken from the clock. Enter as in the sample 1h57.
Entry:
4h16
